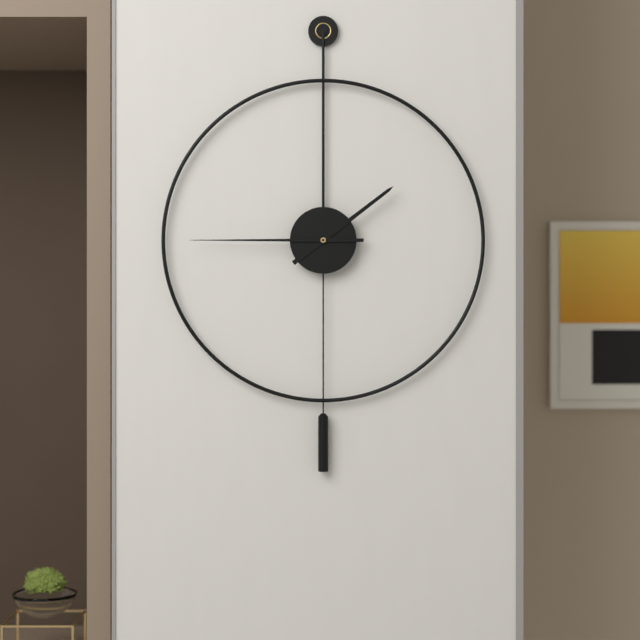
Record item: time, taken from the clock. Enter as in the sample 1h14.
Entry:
1h45
